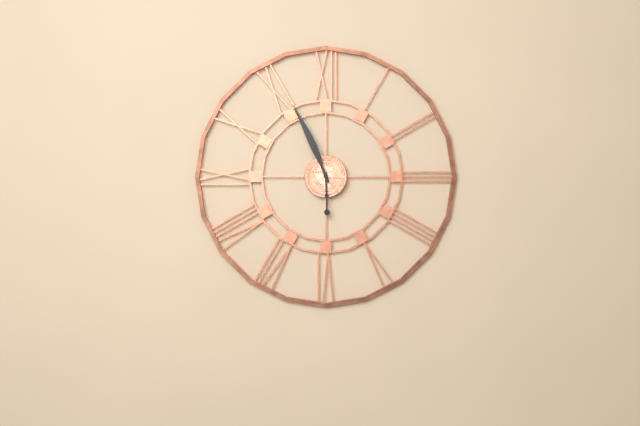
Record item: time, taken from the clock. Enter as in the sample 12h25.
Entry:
5h56
